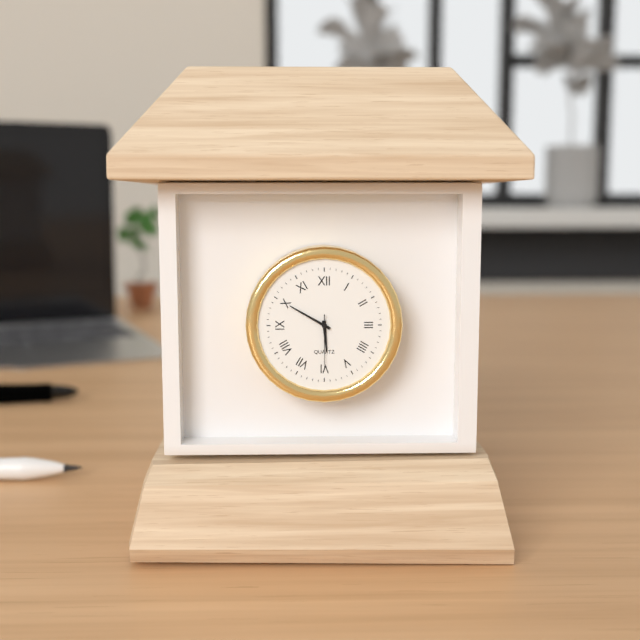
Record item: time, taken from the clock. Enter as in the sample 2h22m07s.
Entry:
5h50m30s
